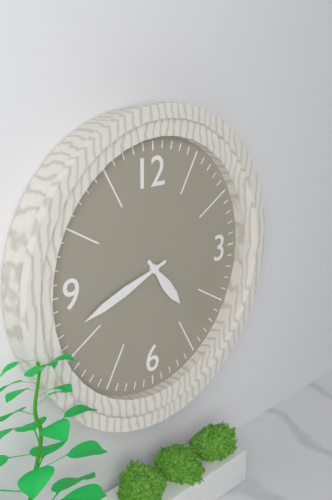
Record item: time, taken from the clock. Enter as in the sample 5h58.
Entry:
4h42
